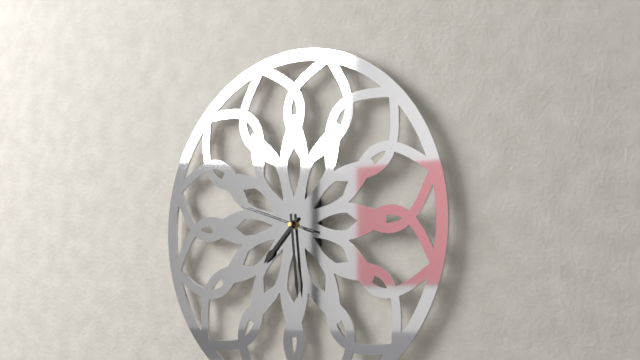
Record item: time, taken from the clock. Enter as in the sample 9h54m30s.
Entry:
7h29m48s
